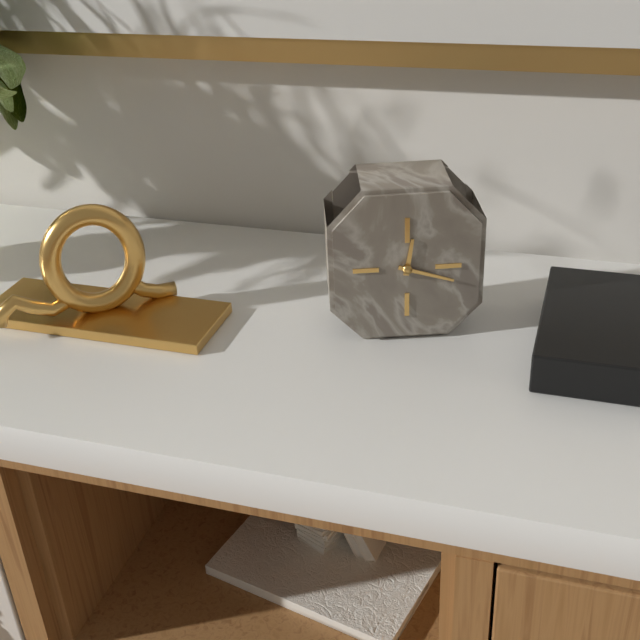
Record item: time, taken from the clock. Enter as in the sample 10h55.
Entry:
12h18
